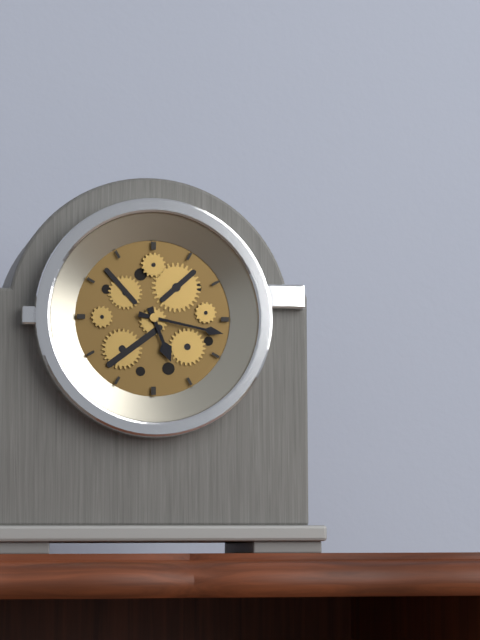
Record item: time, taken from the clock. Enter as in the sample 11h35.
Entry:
5h17
